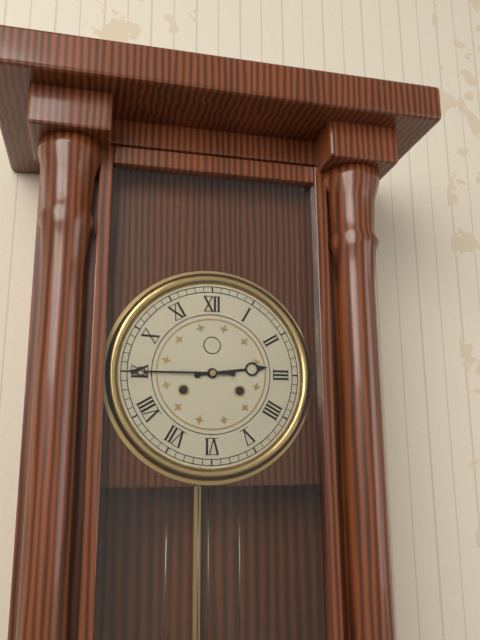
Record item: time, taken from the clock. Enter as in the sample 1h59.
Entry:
2h45
